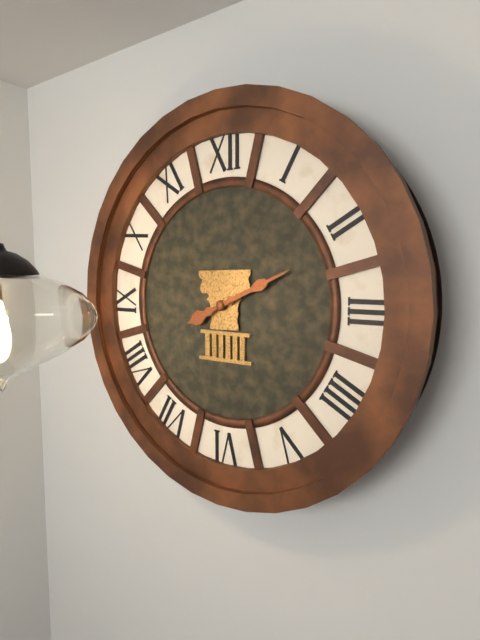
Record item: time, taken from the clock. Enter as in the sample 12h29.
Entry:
8h11
